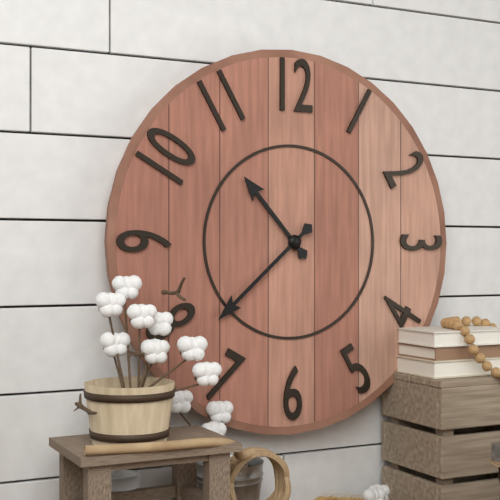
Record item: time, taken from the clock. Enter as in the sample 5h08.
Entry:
10h38
